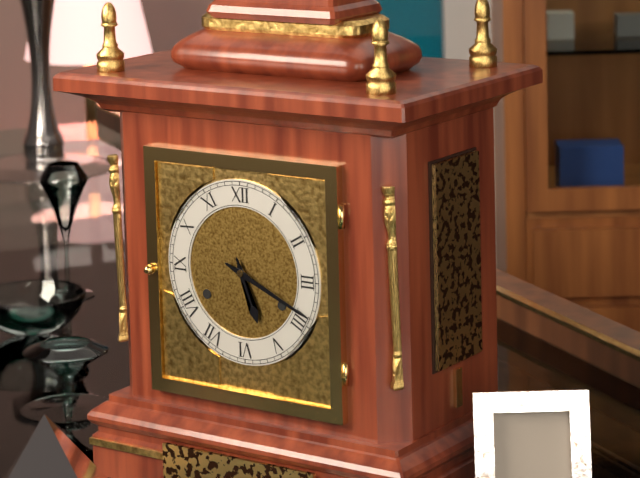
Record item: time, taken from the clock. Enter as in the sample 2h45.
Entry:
5h19
